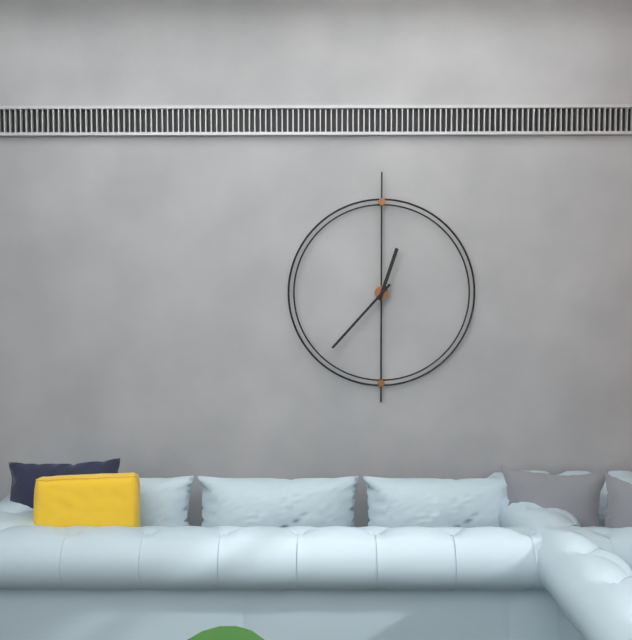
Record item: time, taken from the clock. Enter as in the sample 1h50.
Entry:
12h37
